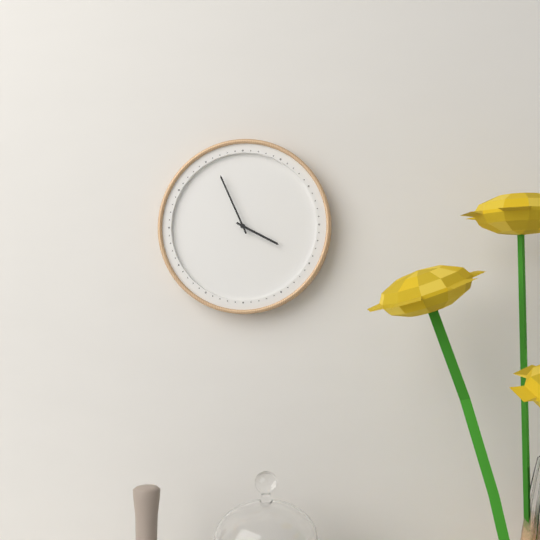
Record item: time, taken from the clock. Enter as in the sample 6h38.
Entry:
3h56
